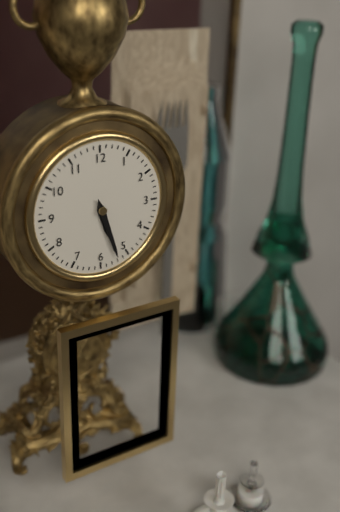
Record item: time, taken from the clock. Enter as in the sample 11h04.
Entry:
5h27
